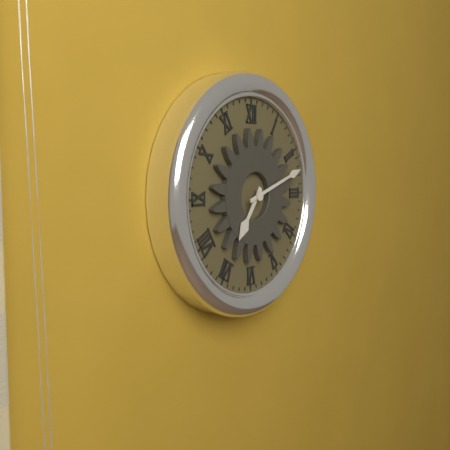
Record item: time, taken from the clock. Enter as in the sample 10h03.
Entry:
7h12
